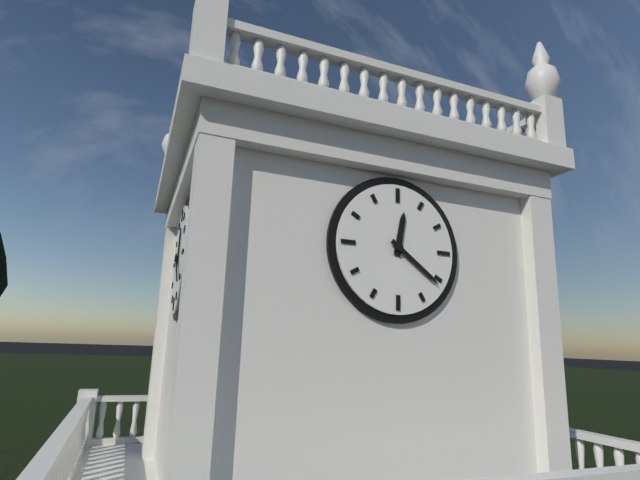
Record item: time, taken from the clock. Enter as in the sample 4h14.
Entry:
12h21
